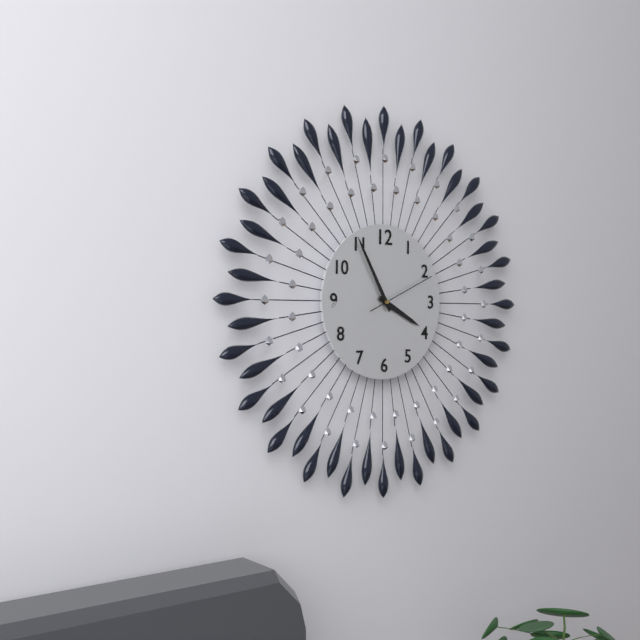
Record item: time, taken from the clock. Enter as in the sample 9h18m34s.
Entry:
3h55m11s
